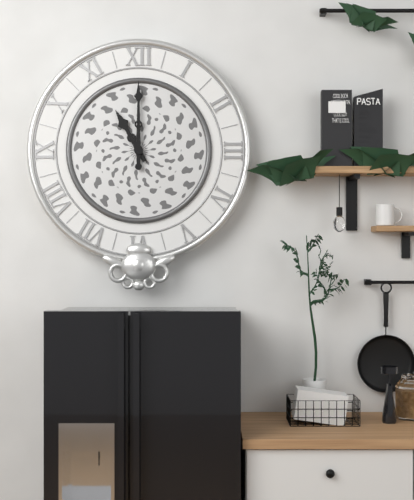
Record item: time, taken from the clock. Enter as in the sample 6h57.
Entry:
11h00
